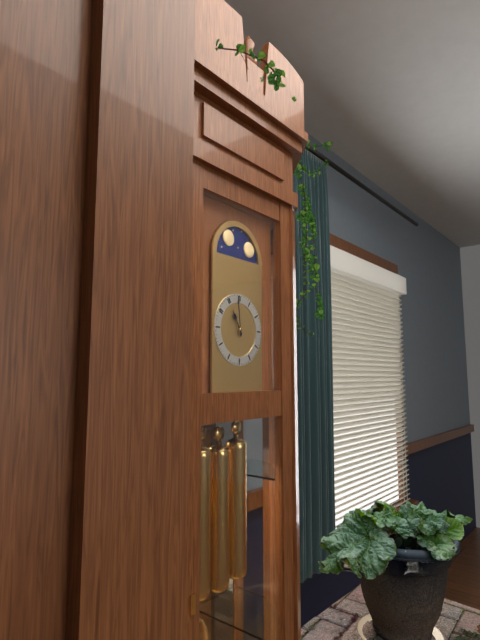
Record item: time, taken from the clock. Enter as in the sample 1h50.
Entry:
10h59
